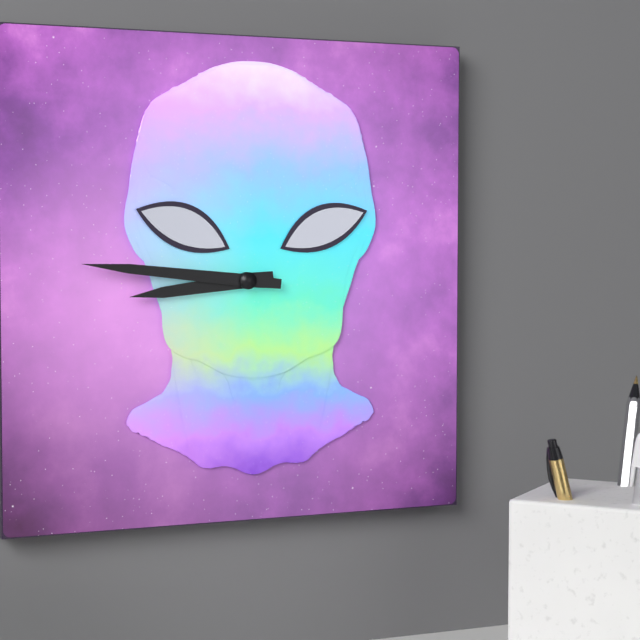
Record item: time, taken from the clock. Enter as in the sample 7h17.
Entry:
8h46
